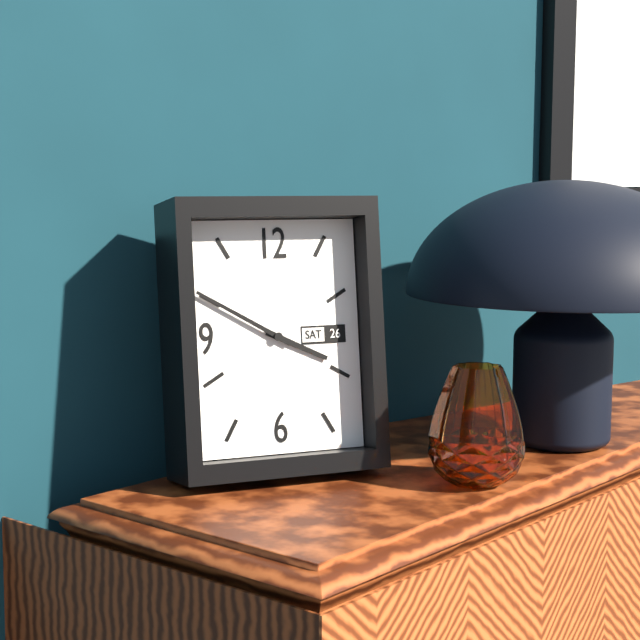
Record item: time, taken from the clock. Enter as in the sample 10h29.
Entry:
3h50
